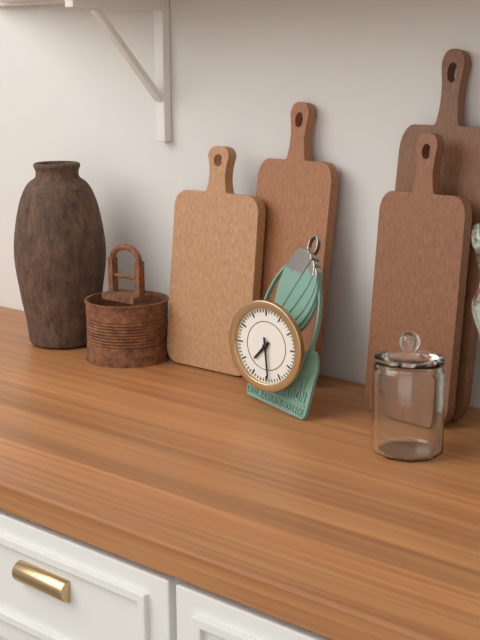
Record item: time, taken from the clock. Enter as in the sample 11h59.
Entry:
7h29
